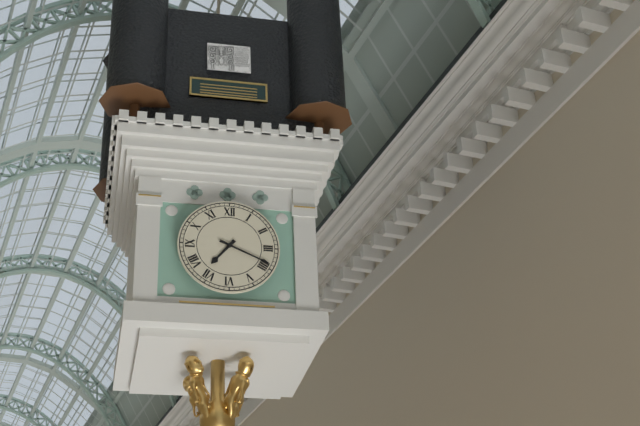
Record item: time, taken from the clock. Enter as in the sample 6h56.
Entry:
7h19
